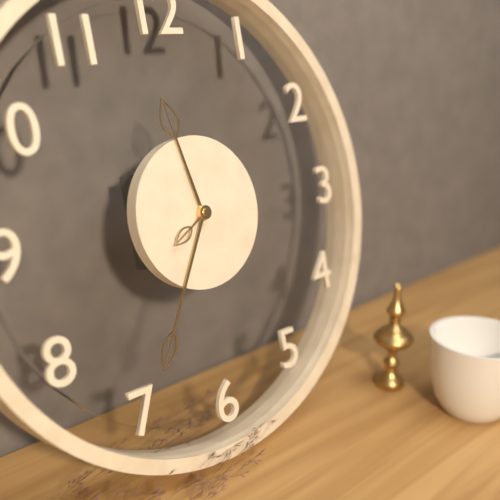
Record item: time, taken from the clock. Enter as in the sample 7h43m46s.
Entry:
11h35m40s
